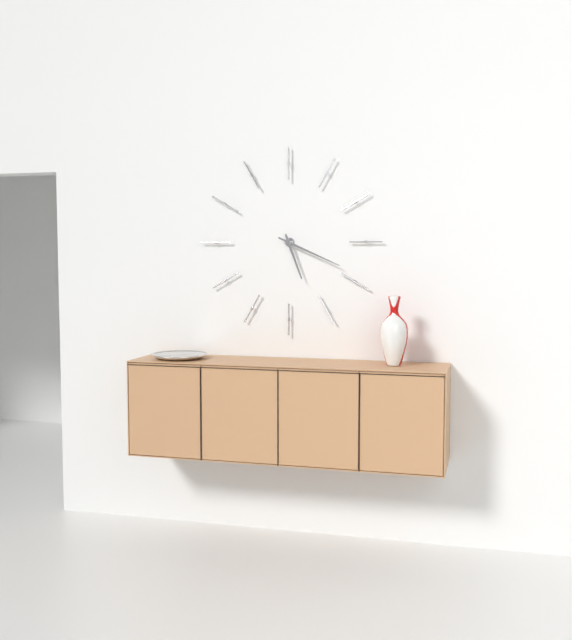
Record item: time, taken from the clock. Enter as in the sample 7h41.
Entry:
5h19
